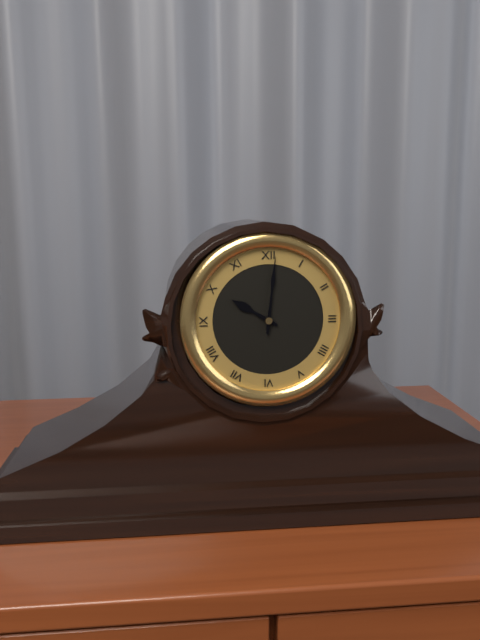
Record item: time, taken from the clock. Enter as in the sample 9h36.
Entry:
10h01
